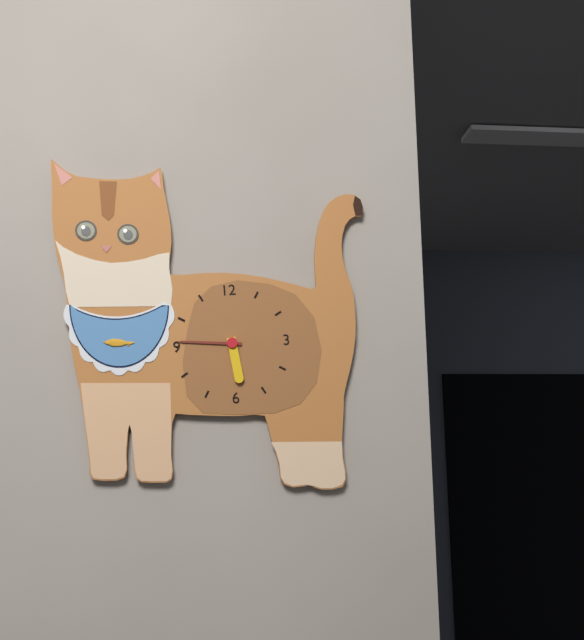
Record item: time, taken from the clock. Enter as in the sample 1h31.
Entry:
5h46
